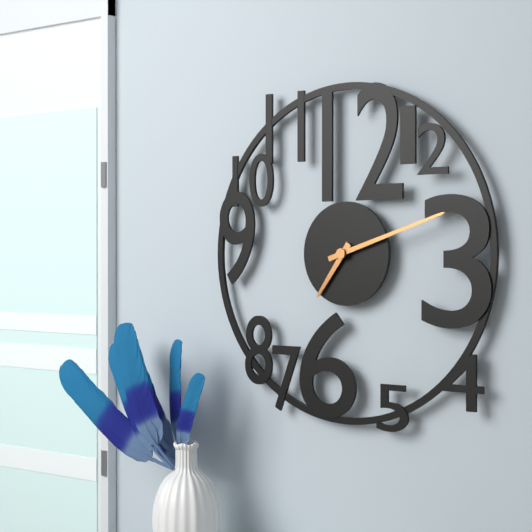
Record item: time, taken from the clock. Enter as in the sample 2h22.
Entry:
7h12
